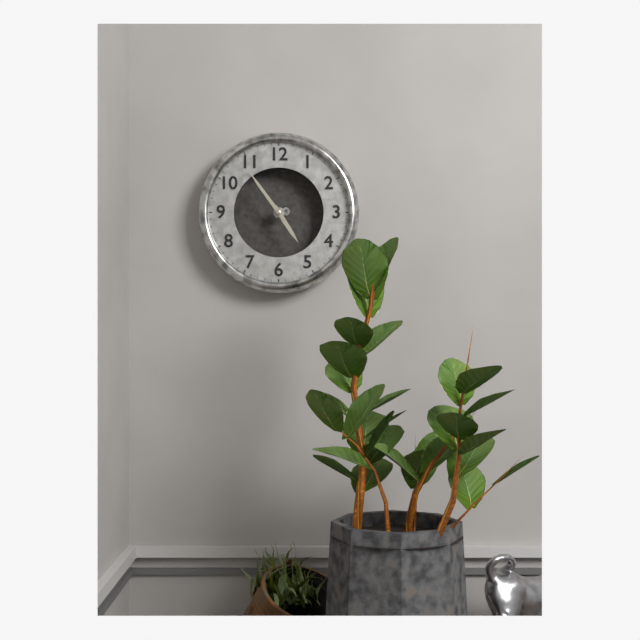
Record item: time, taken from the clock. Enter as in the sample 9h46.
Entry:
4h54
